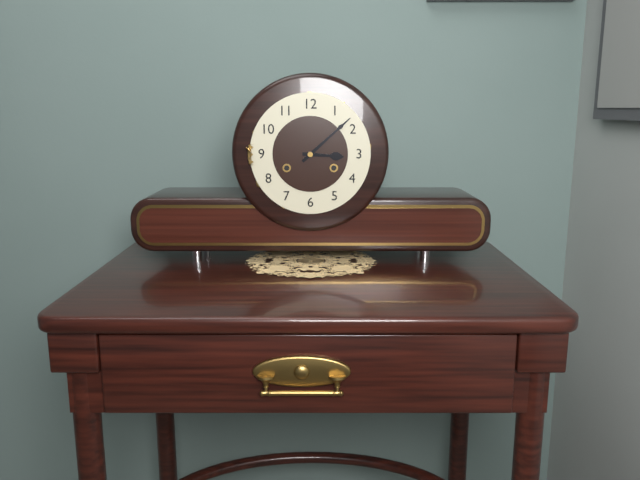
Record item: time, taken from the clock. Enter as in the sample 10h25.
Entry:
3h08
